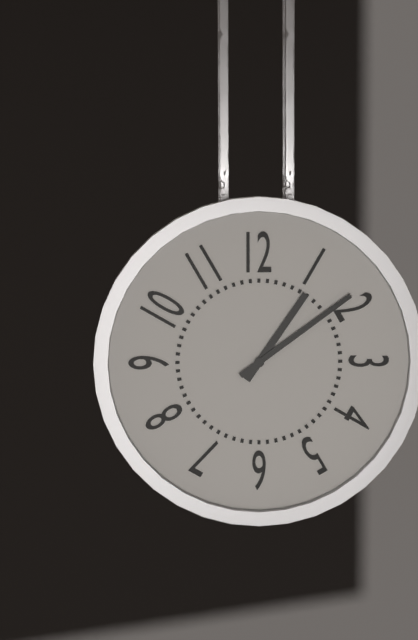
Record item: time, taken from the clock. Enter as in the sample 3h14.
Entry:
1h09
